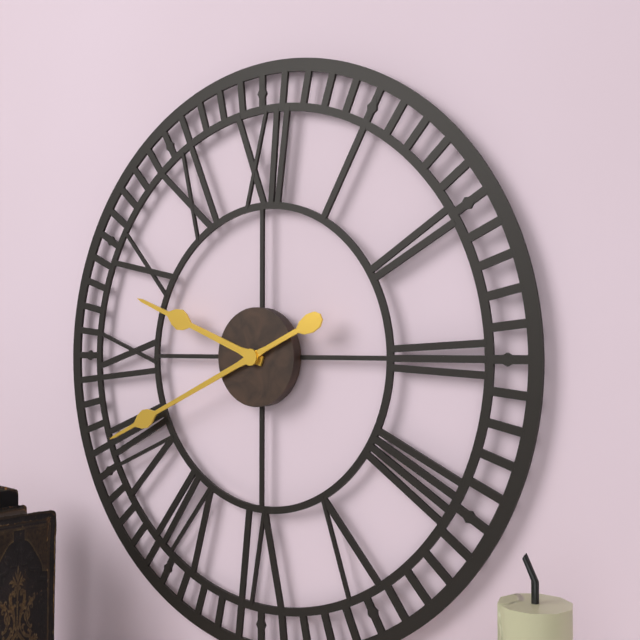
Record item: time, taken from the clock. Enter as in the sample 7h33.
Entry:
9h41
